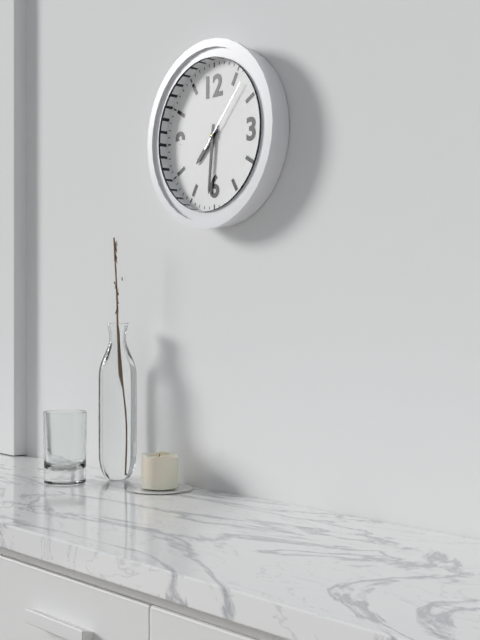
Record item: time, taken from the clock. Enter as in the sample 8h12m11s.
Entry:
7h31m07s
